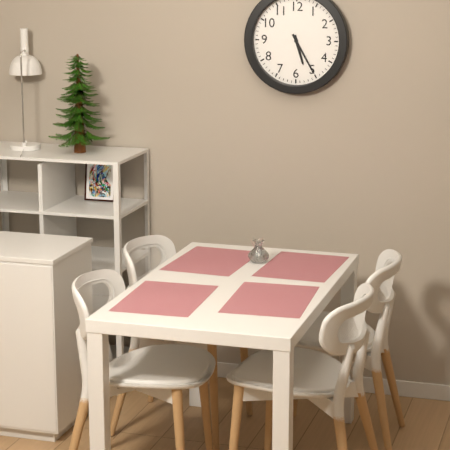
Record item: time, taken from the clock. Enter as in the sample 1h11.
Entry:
5h25
